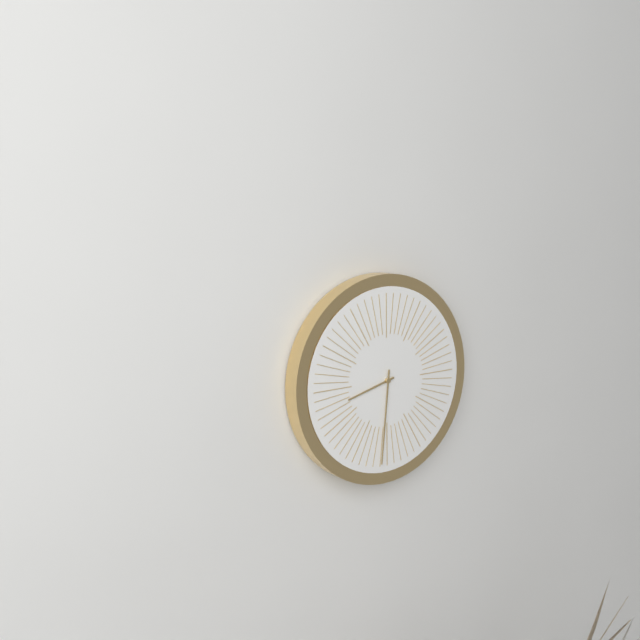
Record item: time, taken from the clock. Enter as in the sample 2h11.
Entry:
8h31
